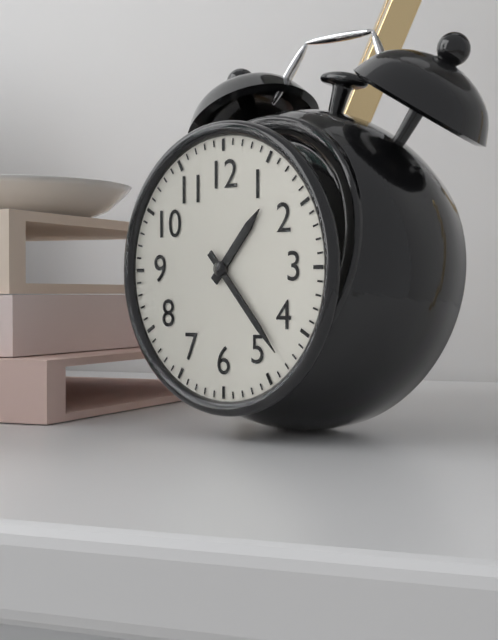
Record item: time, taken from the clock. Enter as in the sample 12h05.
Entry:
1h23
